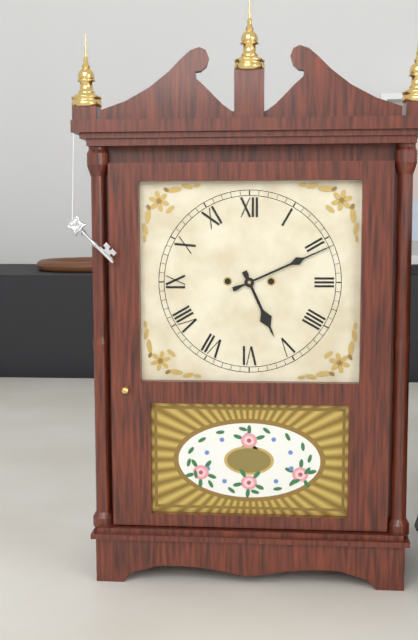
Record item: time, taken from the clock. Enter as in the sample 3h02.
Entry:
5h11
